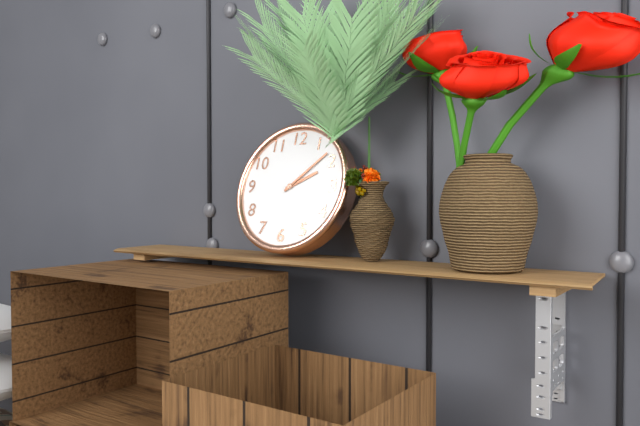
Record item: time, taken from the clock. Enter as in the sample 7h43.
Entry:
2h08
